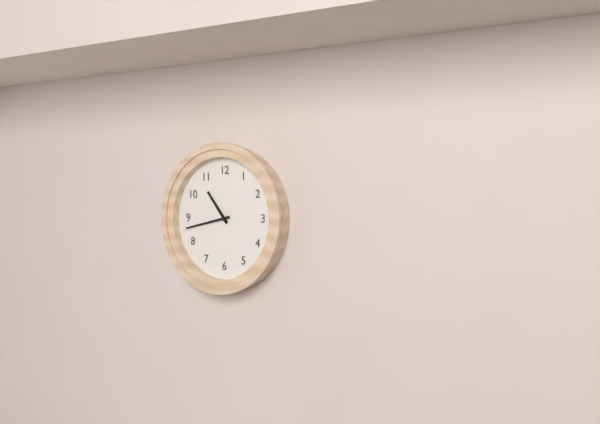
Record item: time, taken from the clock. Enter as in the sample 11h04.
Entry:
10h43
